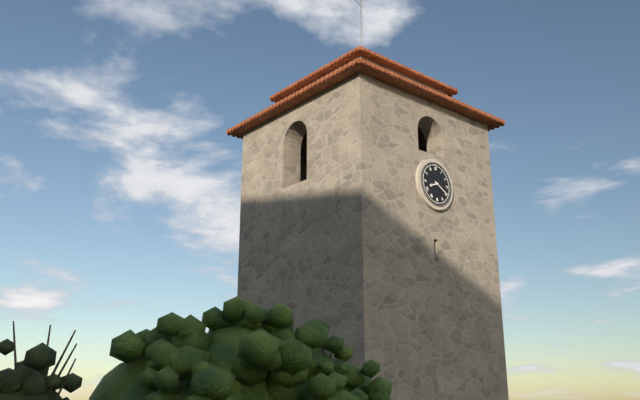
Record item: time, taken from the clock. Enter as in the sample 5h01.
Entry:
8h20
